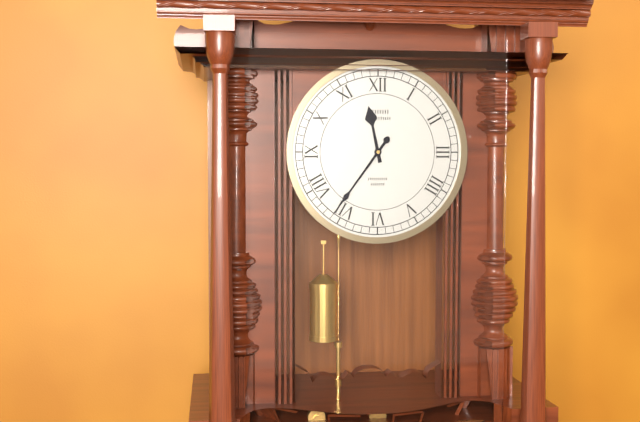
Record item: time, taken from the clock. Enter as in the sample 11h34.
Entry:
11h36
